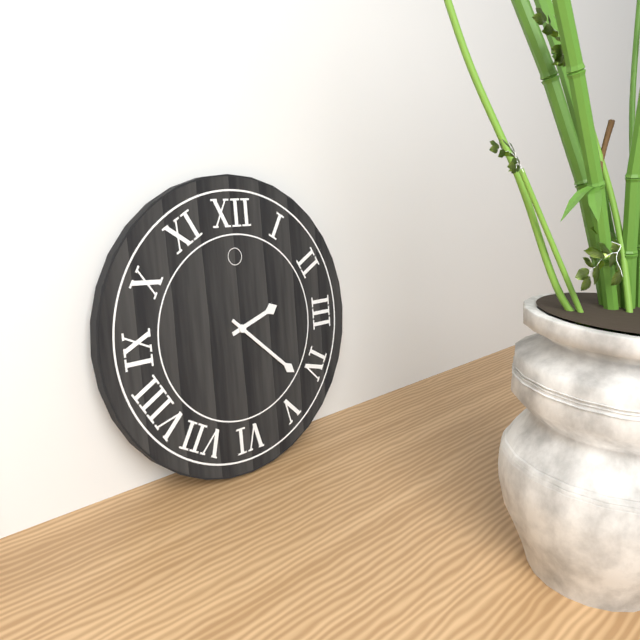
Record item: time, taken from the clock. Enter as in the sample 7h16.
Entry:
2h22
